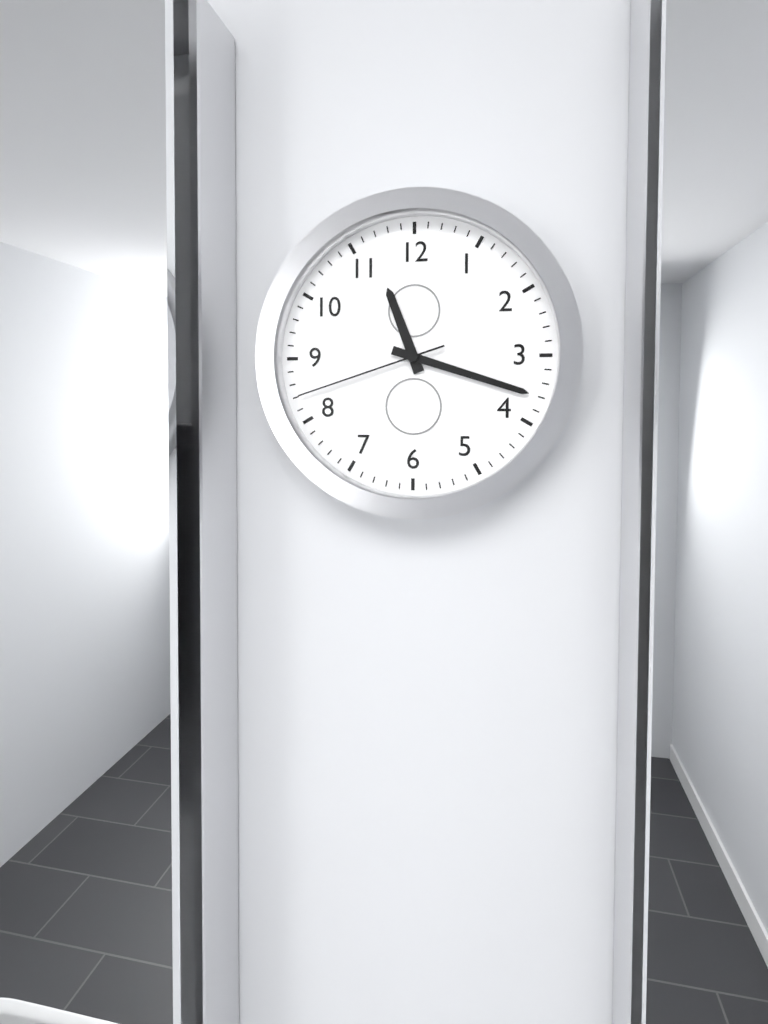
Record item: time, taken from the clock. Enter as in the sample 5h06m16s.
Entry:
11h18m42s
